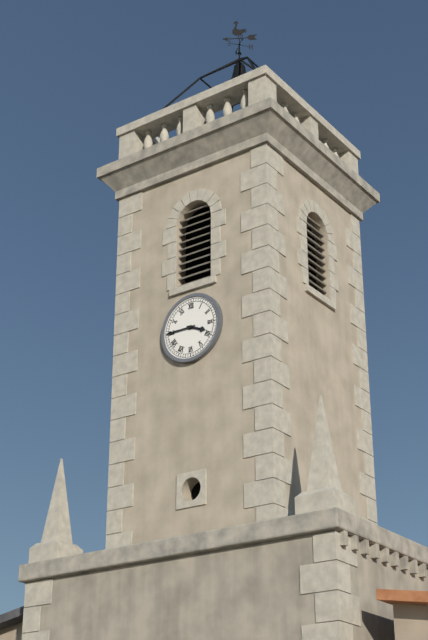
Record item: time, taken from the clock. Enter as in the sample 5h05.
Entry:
3h45
